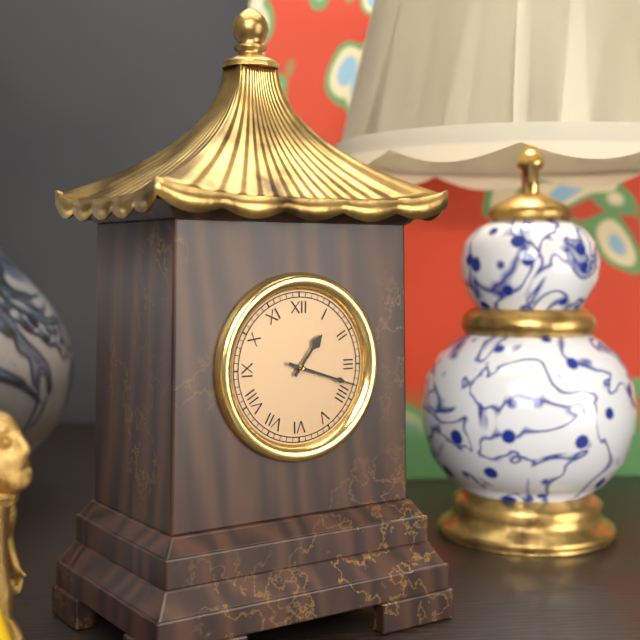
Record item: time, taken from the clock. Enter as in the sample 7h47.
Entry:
1h18
